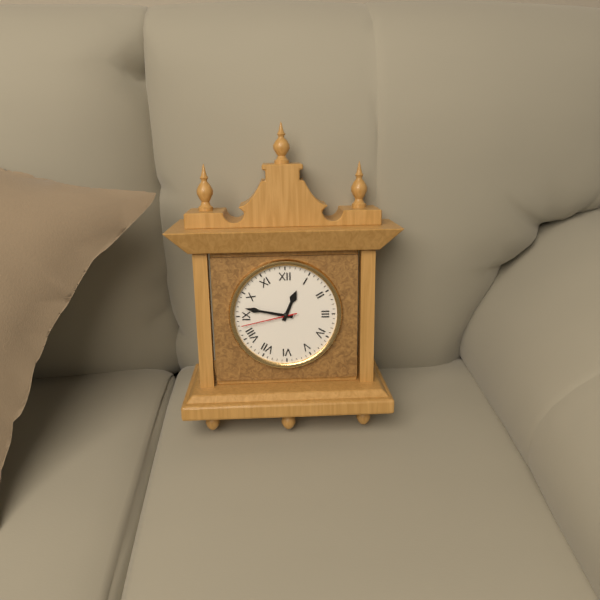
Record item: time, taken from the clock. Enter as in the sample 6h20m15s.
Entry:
12h47m43s
